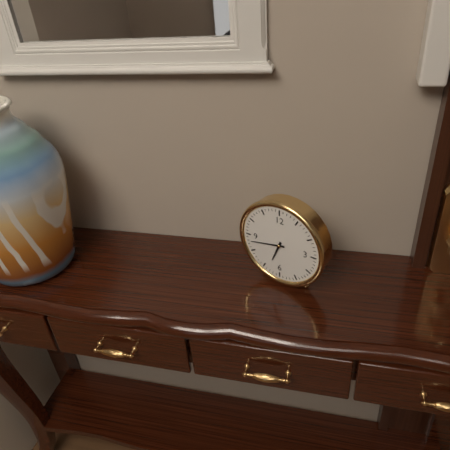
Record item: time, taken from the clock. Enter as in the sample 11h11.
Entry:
6h43
